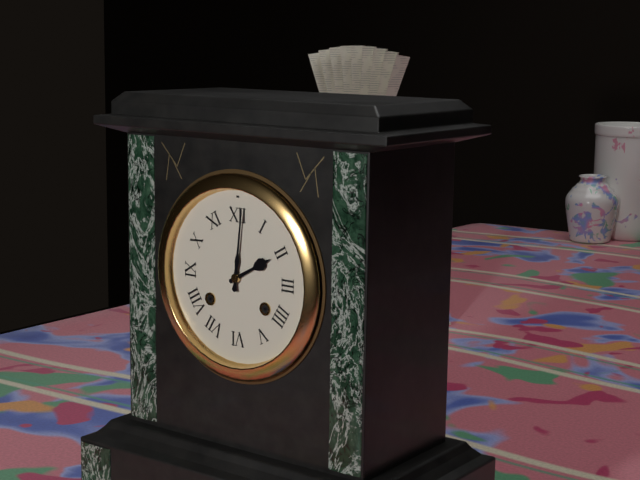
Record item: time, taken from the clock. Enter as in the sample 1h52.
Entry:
2h01
